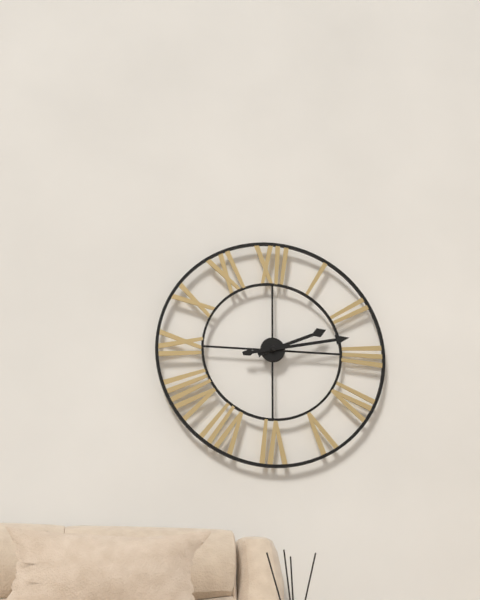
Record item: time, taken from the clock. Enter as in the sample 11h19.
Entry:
2h13
